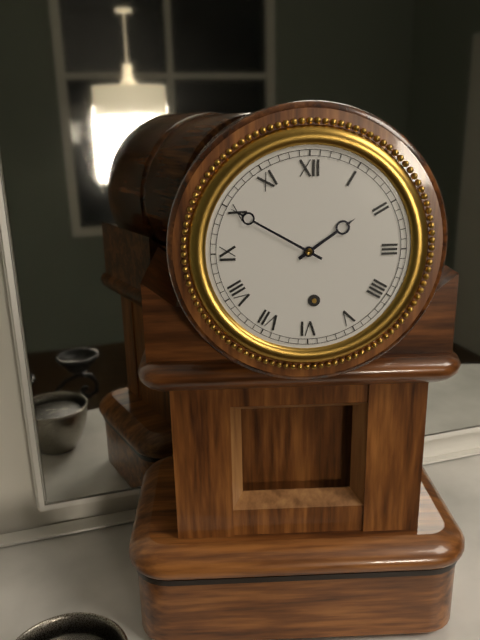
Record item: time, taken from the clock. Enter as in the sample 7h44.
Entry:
1h50
